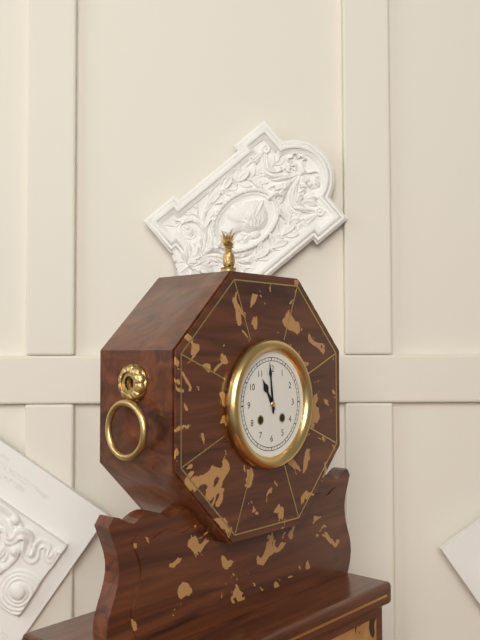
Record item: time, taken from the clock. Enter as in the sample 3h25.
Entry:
10h59
